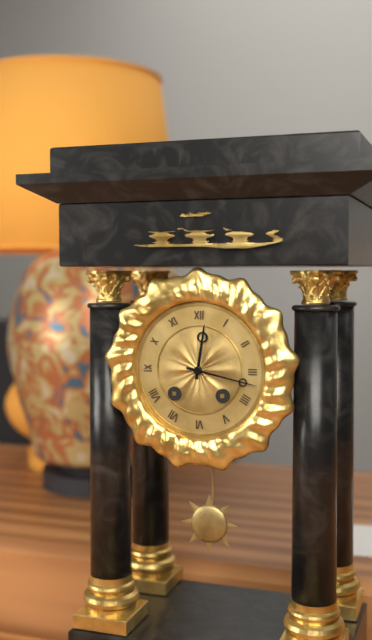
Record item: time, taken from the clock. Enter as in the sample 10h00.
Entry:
12h17
